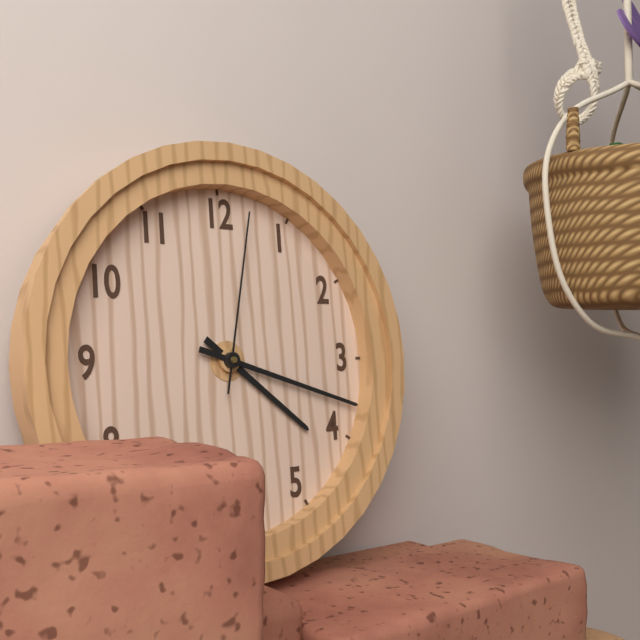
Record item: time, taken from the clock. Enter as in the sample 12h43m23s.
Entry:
4h18m02s
